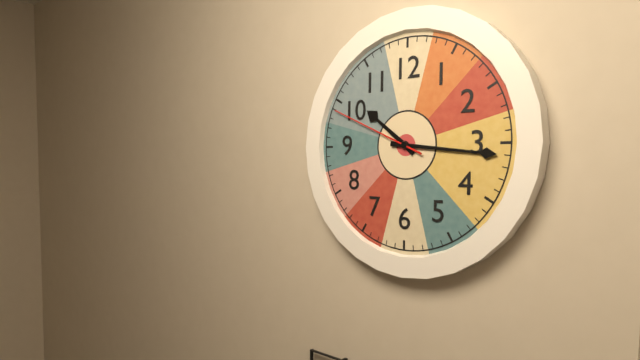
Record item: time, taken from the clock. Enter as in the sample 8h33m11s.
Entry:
10h16m49s
